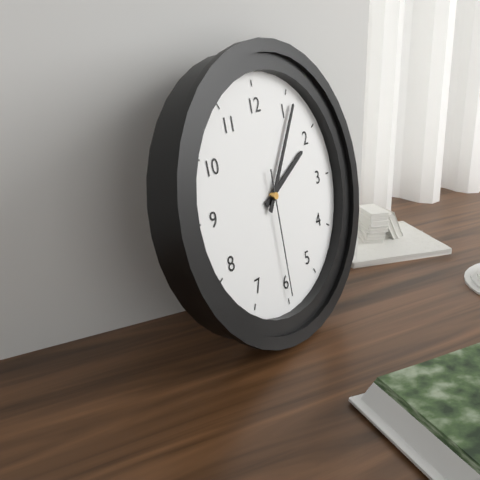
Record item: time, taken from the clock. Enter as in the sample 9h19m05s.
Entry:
2h06m30s
